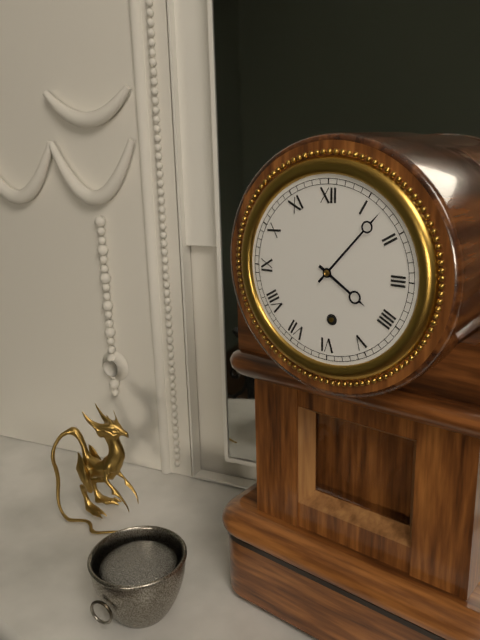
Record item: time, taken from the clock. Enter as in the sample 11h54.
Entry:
4h07
